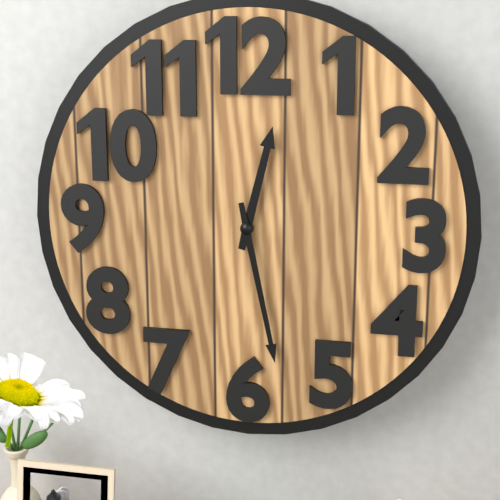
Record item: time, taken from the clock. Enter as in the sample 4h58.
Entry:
12h28
